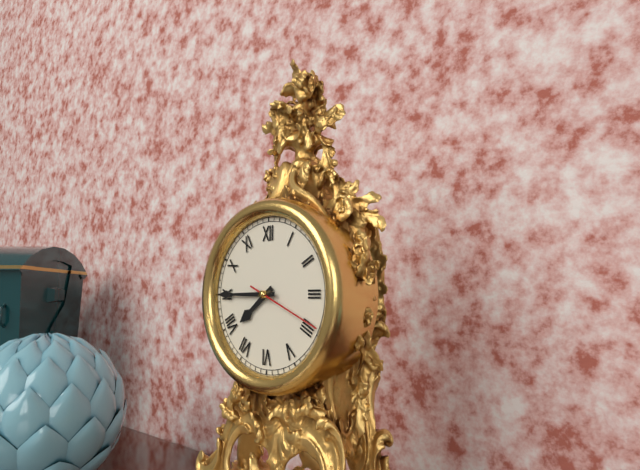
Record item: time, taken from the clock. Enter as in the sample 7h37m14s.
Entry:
7h45m19s
